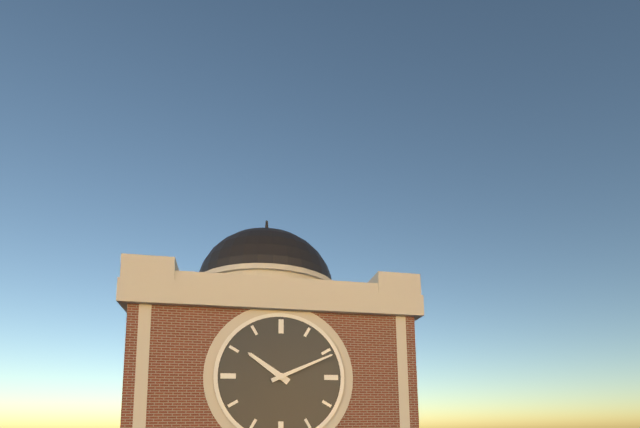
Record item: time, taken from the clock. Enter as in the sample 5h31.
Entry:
10h11
